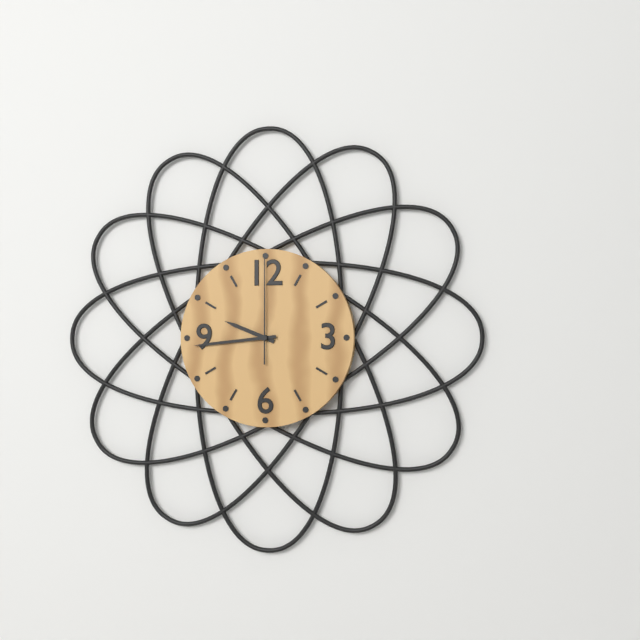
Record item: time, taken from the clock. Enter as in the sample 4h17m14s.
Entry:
9h44m00s
